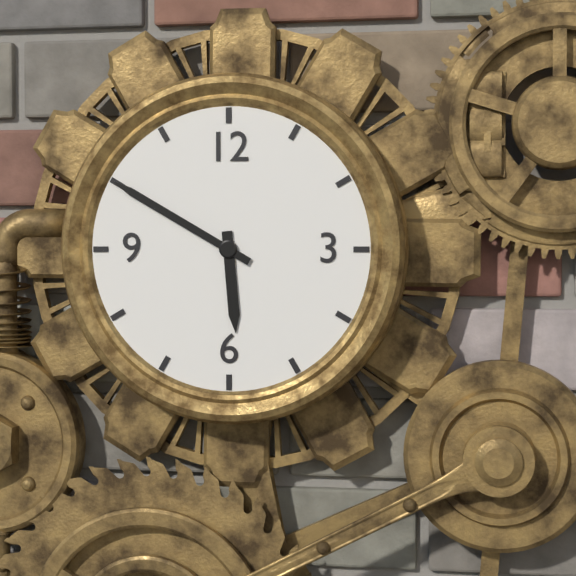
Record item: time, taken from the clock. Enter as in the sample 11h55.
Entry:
5h50
